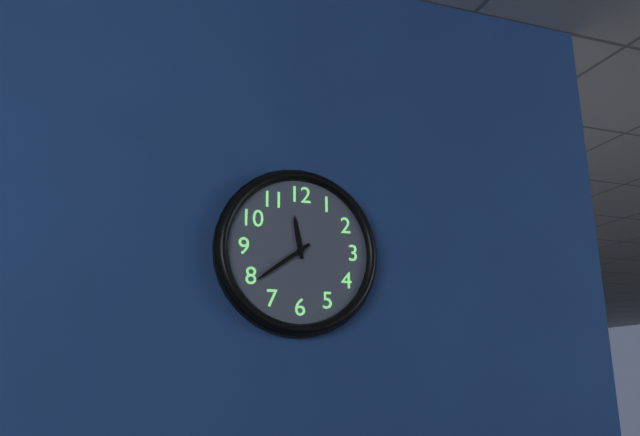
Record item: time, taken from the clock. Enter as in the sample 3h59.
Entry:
11h39
